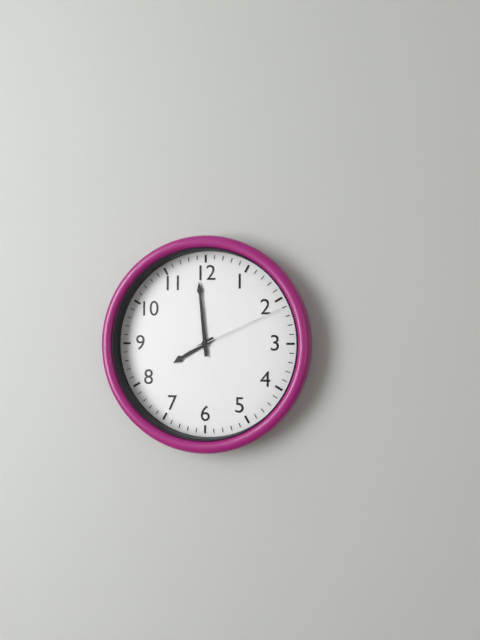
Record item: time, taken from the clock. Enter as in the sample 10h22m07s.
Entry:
7h59m11s
